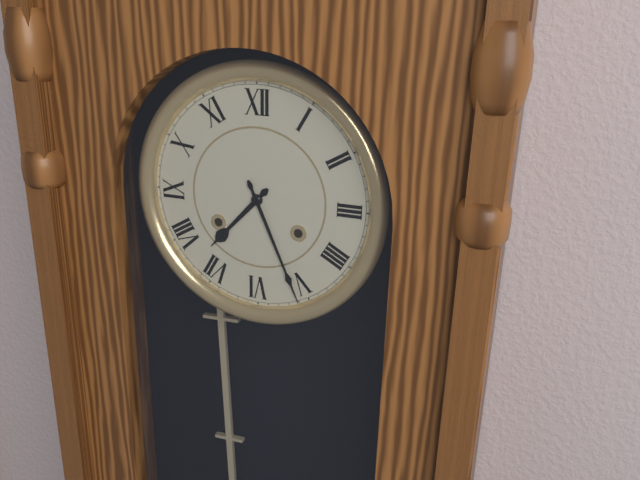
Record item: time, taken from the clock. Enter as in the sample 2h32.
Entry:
7h26
